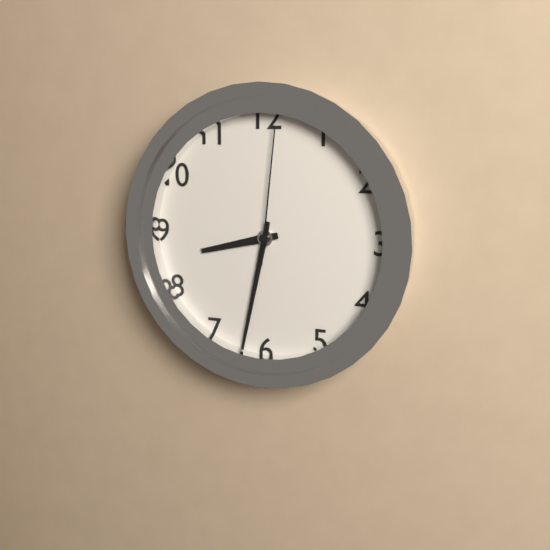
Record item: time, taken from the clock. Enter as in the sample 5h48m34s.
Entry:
8h32m01s
